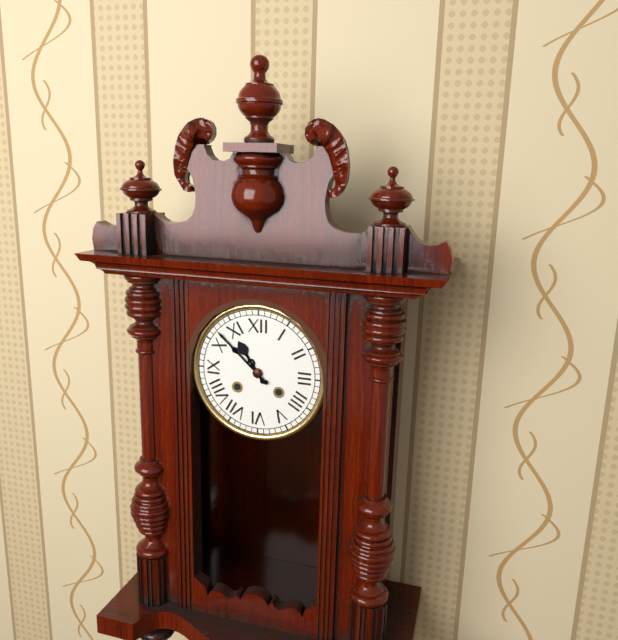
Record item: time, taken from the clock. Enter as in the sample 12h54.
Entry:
10h52
